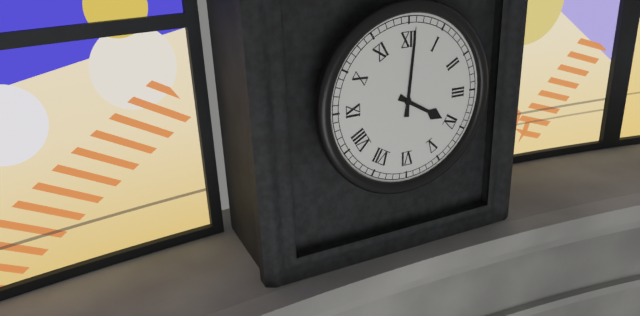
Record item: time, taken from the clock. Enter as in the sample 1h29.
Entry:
4h01
